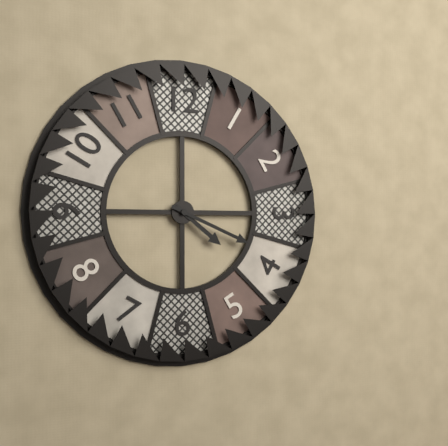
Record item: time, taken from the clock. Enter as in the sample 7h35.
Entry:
4h19
